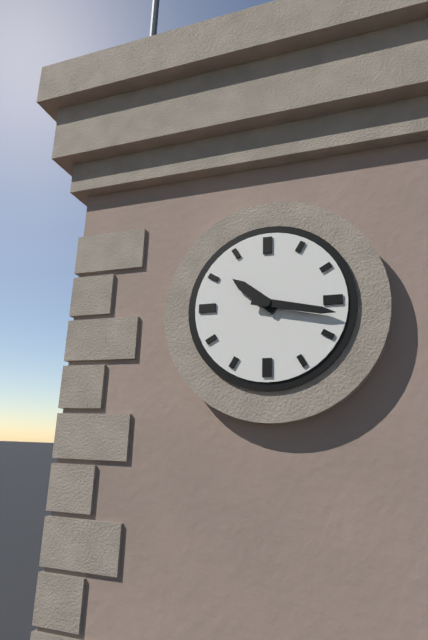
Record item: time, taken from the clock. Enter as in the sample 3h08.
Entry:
10h17
